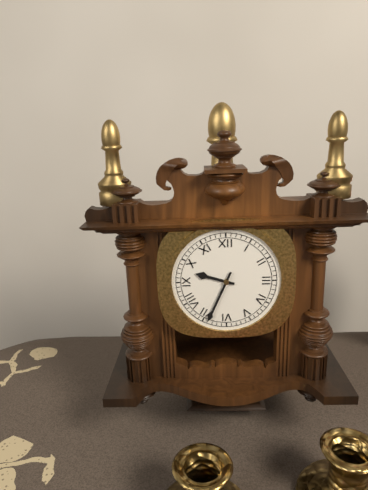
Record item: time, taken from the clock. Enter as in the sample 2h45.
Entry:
9h34
